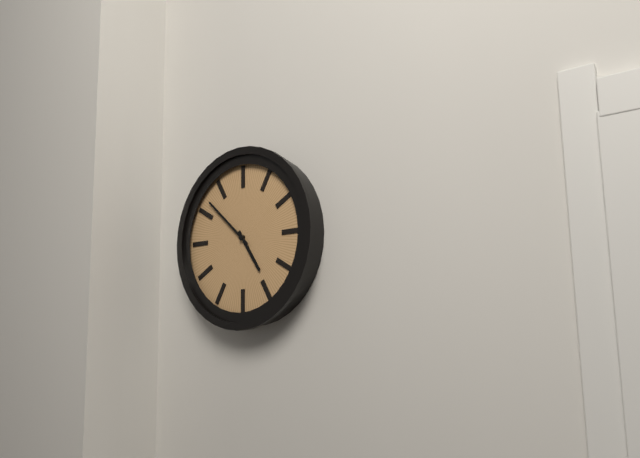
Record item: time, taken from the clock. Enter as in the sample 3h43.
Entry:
4h52
